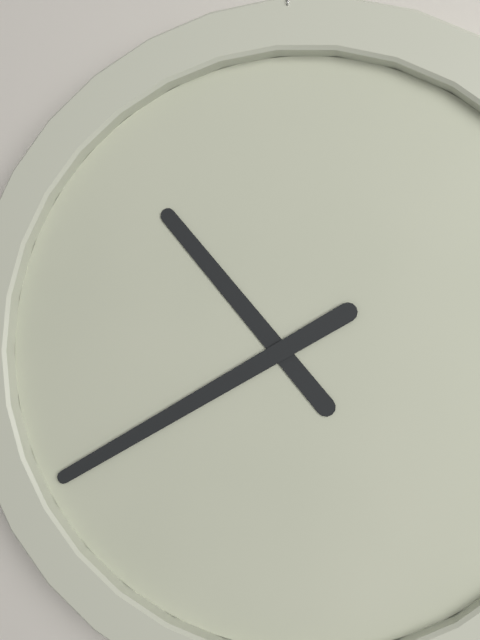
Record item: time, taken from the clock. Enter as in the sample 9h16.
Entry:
10h40
